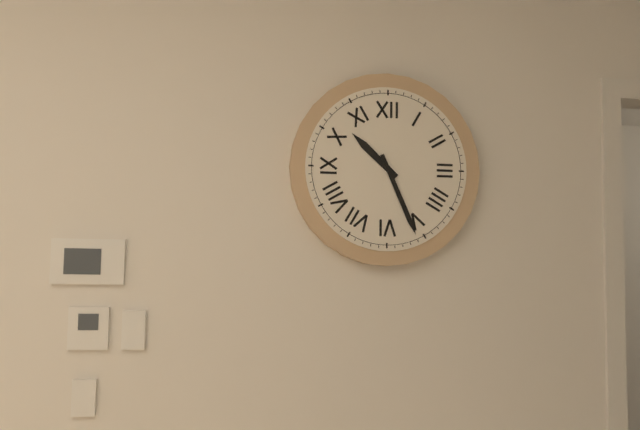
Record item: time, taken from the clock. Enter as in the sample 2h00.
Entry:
10h26
